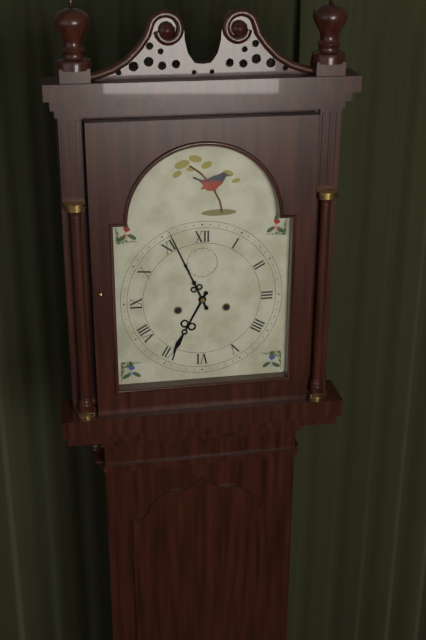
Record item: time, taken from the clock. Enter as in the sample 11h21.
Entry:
6h56
